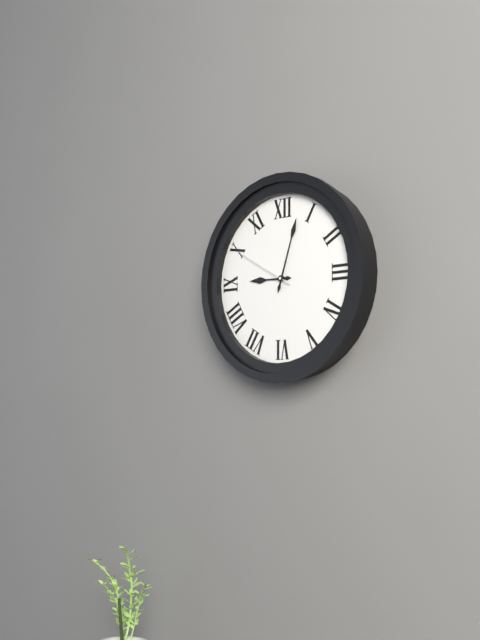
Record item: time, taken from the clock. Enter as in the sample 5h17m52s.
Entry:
9h03m50s
